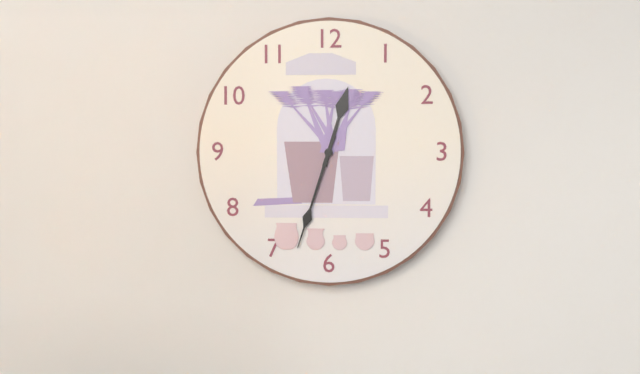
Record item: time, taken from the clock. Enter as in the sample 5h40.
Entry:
12h33
